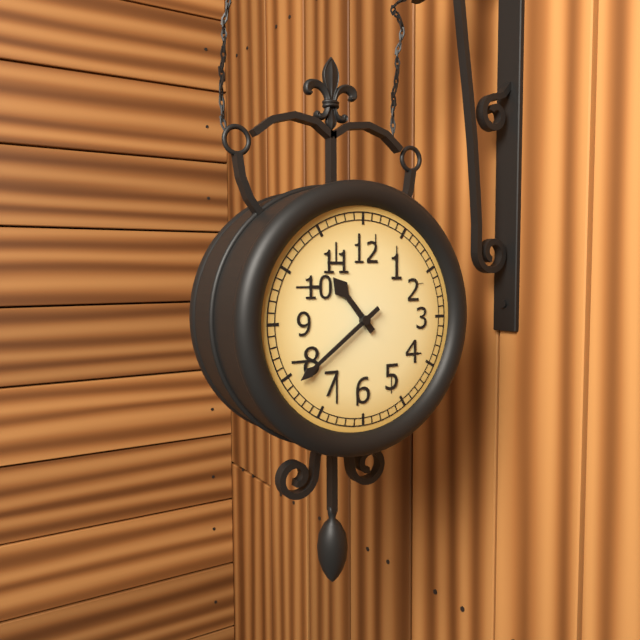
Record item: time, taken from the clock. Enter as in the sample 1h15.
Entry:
10h39
